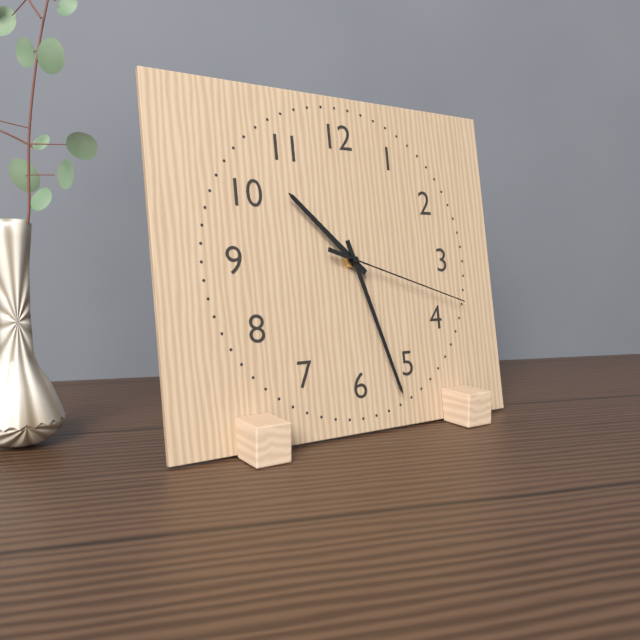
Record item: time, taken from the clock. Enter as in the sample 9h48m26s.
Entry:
10h27m18s
